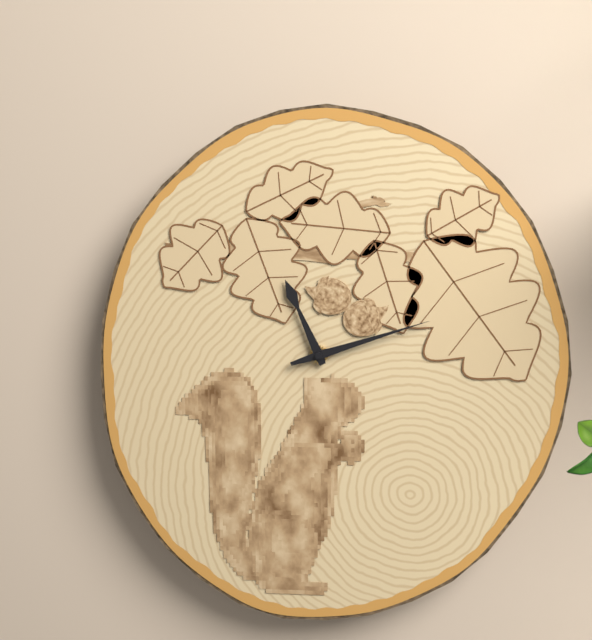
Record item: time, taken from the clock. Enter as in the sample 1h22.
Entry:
11h12
